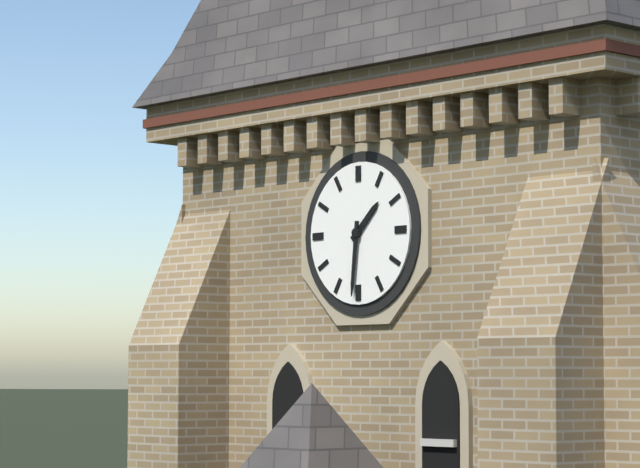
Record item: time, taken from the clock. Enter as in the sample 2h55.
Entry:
1h31
